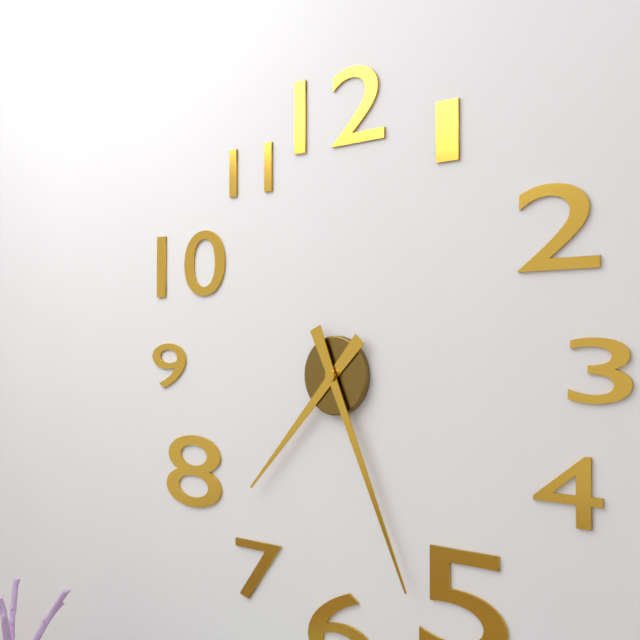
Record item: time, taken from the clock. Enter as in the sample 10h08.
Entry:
7h26
